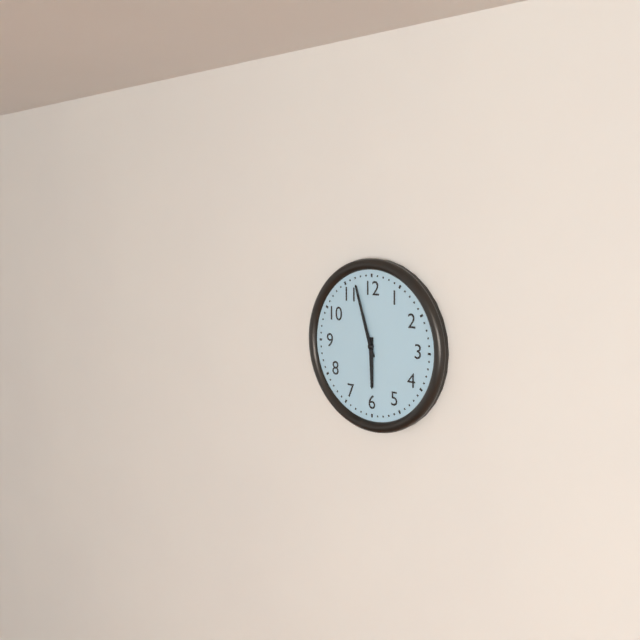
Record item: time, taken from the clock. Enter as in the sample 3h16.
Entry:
5h57
